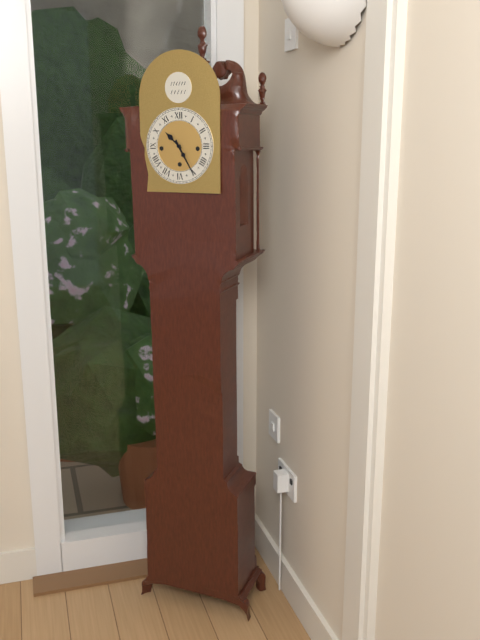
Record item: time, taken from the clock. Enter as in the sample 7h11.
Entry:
10h25
